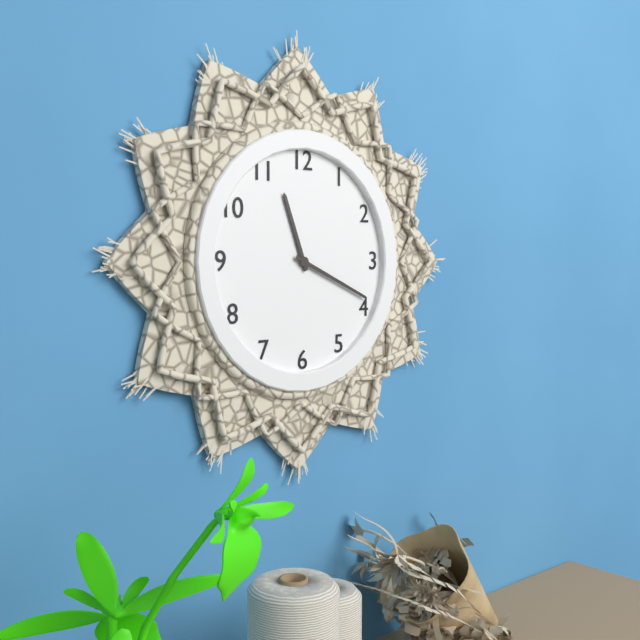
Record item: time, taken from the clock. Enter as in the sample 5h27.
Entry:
11h19
